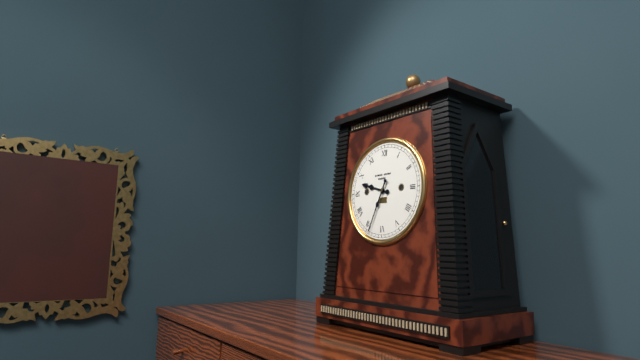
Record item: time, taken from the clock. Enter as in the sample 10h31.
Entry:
9h34
